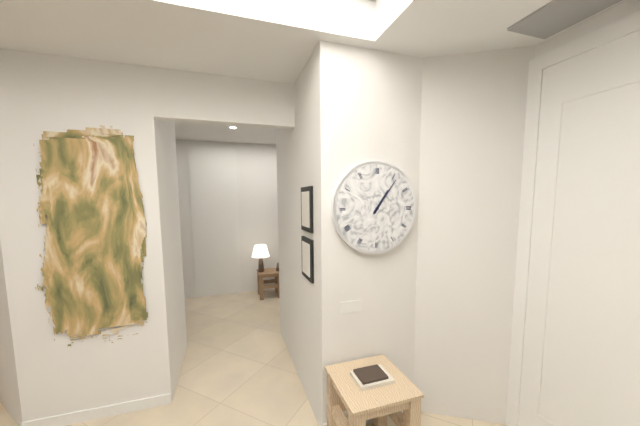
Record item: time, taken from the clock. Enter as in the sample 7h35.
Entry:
1h06
